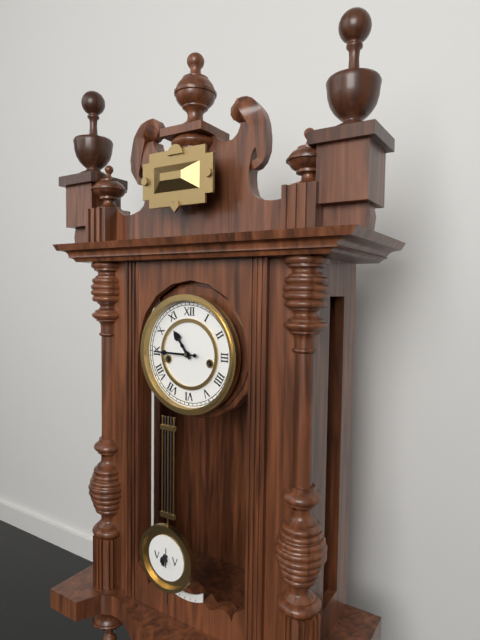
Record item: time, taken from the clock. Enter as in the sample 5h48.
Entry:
10h45
